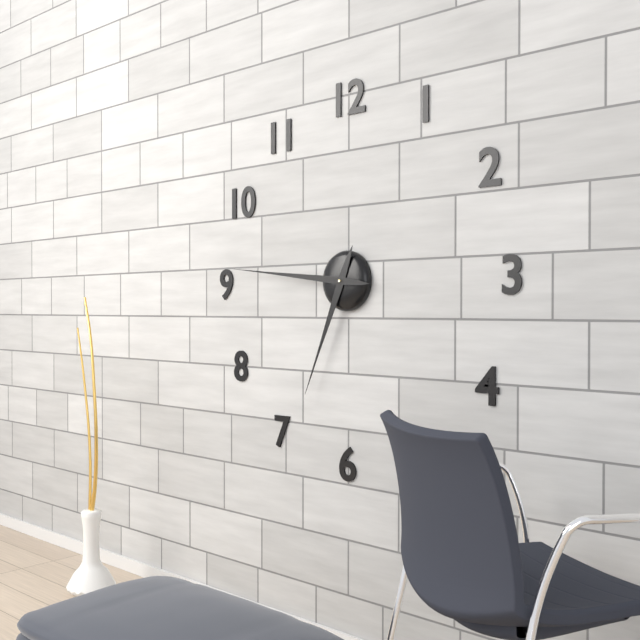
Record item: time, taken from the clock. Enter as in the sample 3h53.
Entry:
6h46
